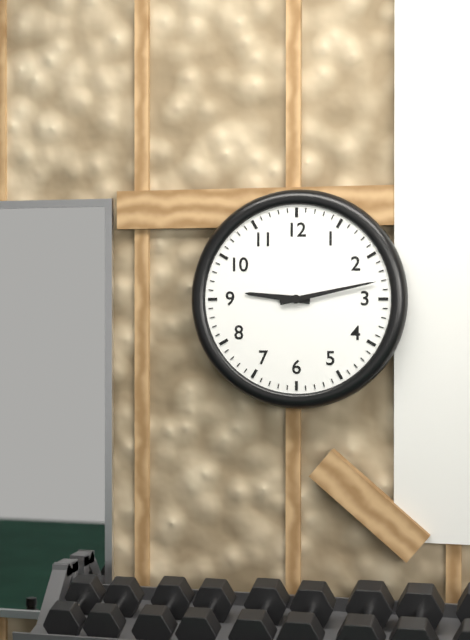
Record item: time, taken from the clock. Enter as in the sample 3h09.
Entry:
9h13
